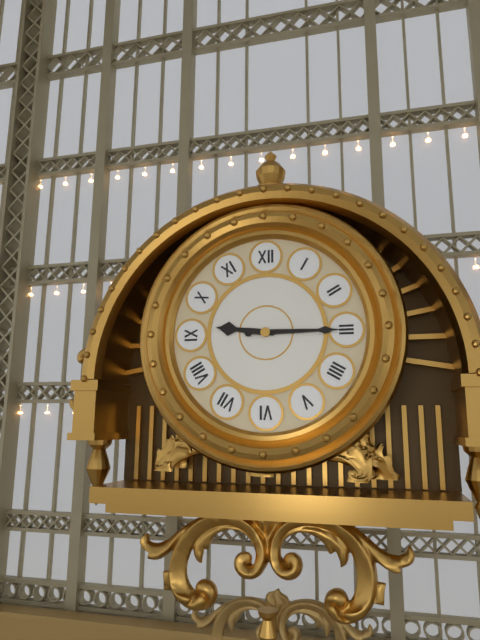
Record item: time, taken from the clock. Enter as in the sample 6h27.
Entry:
9h15
